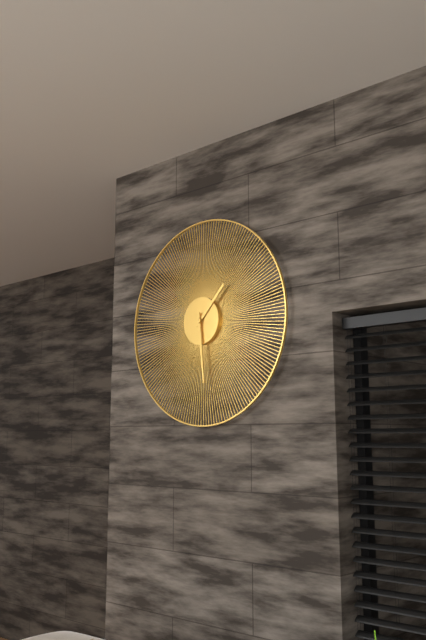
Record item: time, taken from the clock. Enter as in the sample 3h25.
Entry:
1h29
